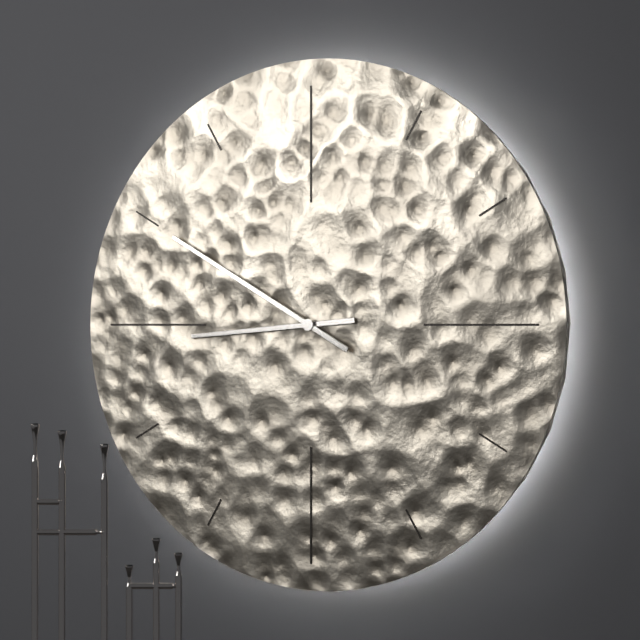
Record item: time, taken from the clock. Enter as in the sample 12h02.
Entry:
8h50
